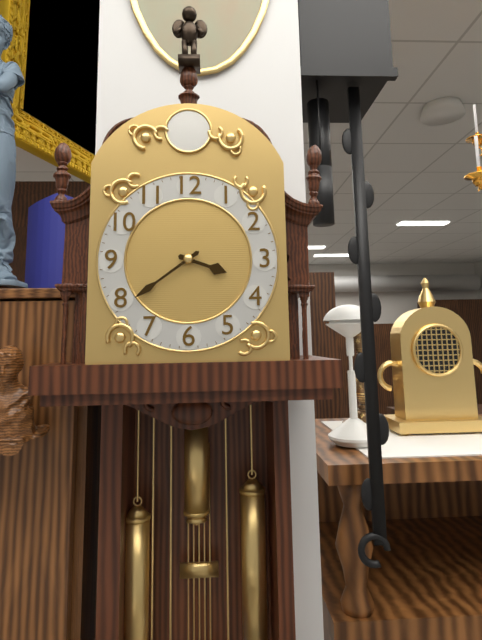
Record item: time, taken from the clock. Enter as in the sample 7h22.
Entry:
3h39
